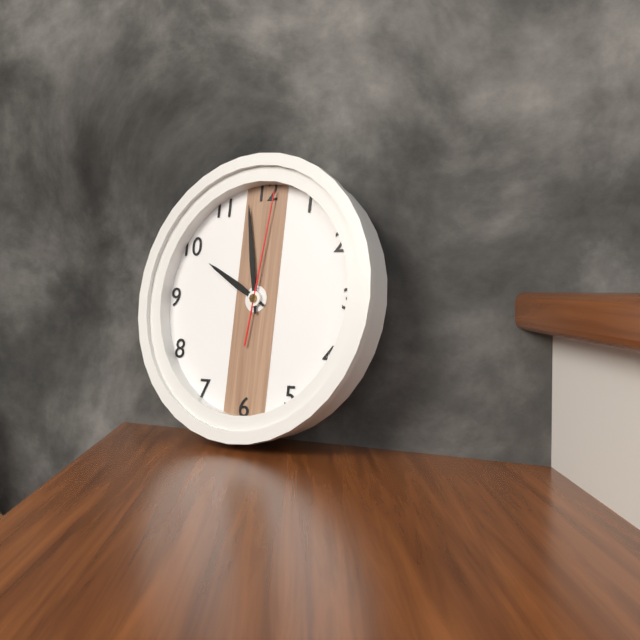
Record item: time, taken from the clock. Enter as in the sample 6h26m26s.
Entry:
9h58m01s
